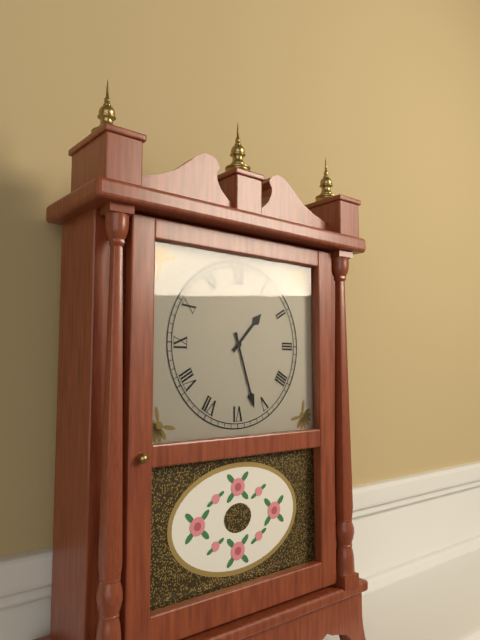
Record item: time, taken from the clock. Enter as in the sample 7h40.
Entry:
1h27
